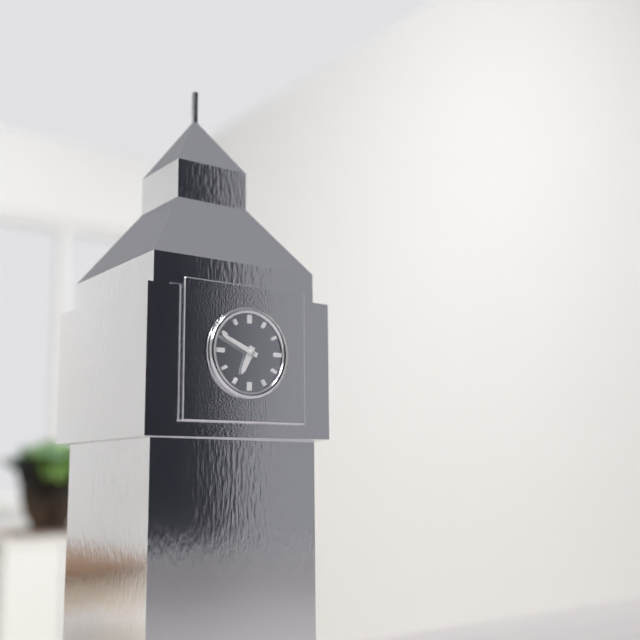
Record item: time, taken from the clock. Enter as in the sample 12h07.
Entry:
6h49
